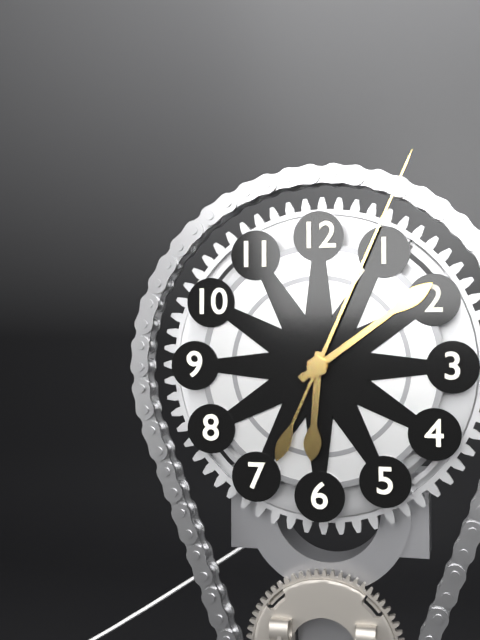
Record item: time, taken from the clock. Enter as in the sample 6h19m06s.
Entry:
6h09m04s
